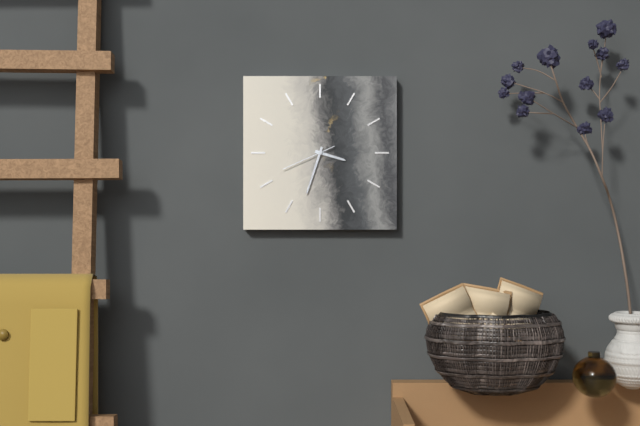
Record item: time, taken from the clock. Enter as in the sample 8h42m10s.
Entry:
3h33m41s
